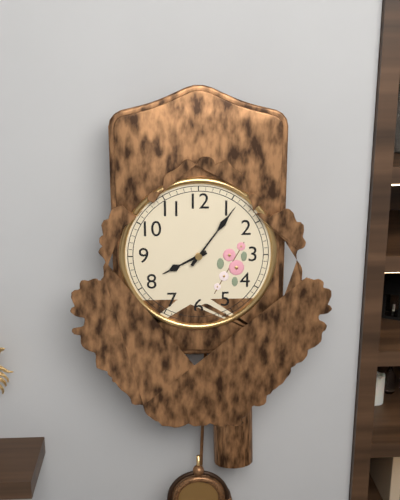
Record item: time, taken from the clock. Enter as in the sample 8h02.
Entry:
8h06
